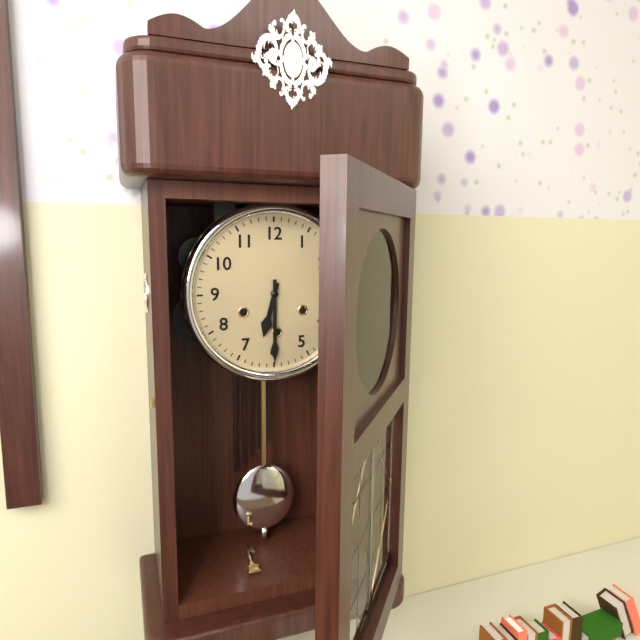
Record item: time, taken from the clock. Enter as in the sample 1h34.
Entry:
6h30
